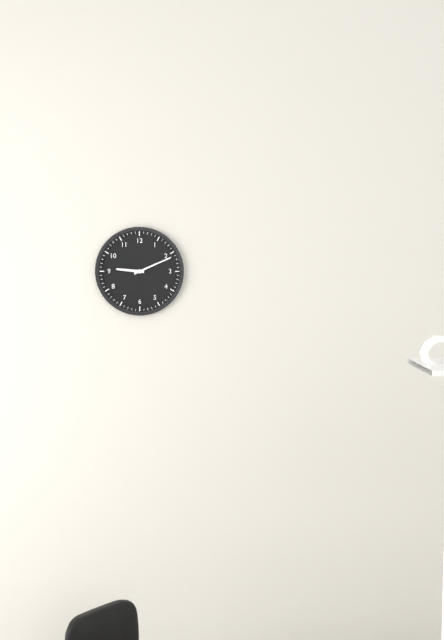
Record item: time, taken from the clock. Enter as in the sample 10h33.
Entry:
9h11
